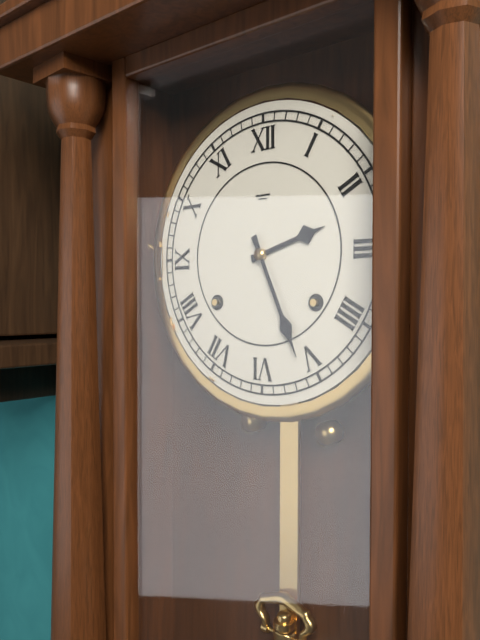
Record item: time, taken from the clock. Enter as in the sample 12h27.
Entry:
2h26
